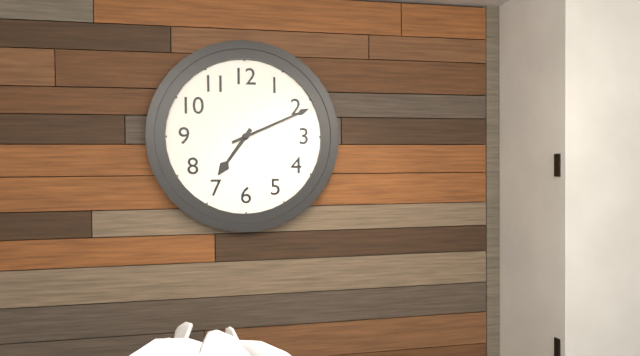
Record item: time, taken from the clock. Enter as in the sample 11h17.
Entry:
7h11
